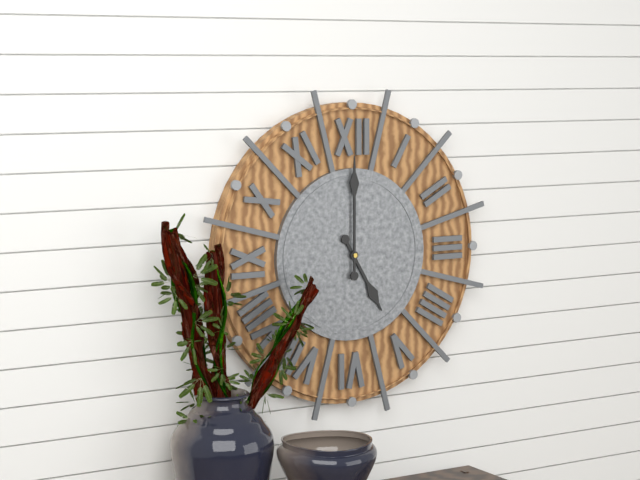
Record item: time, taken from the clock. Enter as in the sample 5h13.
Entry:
5h00
